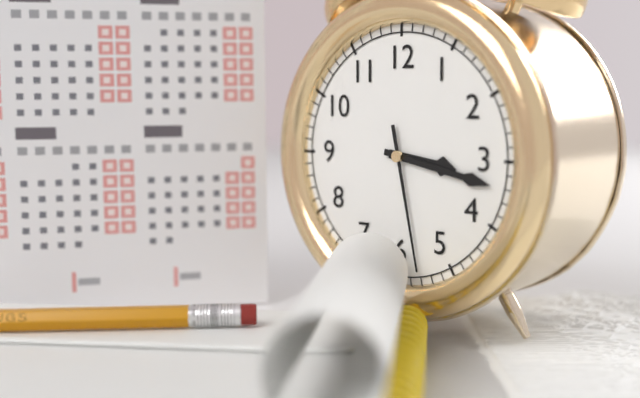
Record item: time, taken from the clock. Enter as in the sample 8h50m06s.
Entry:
3h17m28s
